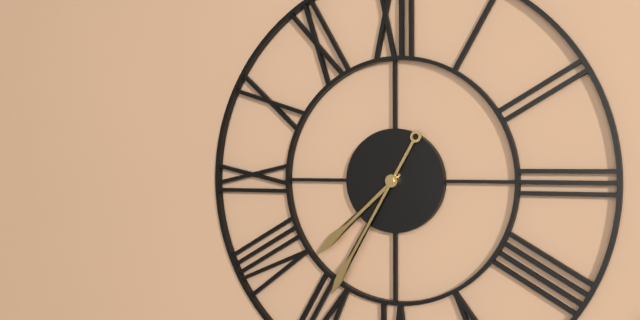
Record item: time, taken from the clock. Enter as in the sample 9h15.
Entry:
7h35
